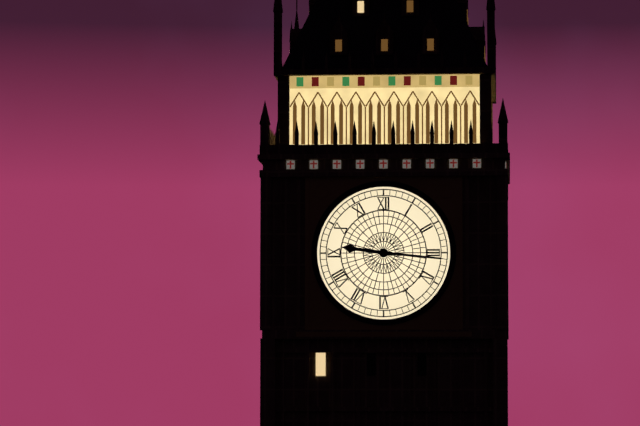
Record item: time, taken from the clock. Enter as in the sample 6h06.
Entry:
9h16
